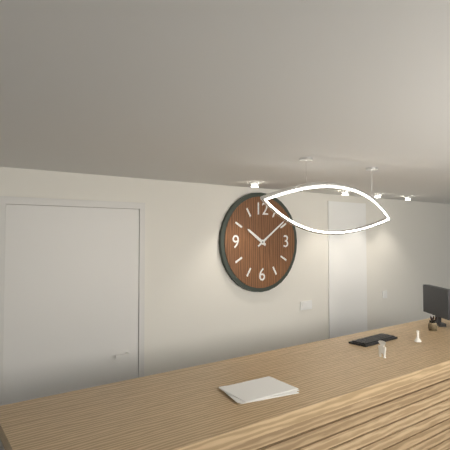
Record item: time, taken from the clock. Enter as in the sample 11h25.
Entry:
10h09
